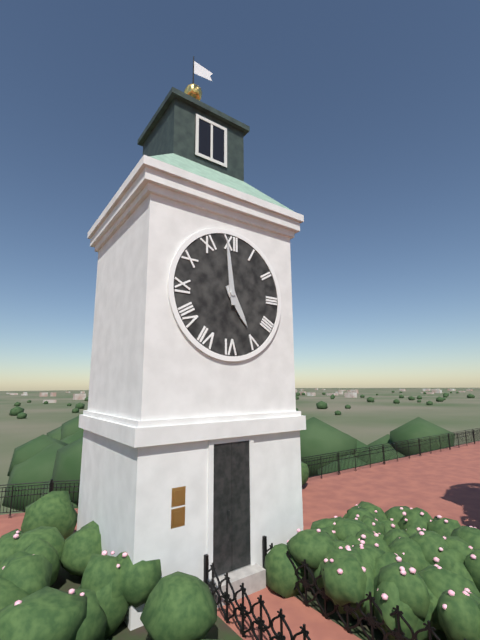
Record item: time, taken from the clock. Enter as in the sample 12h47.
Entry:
4h59
